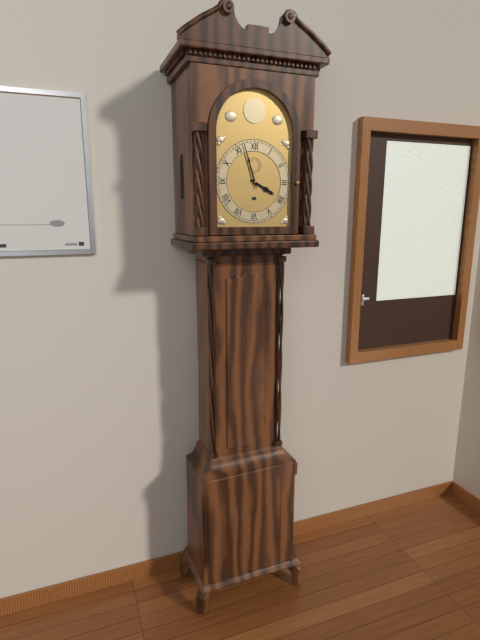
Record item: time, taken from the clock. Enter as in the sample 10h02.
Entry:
3h57
